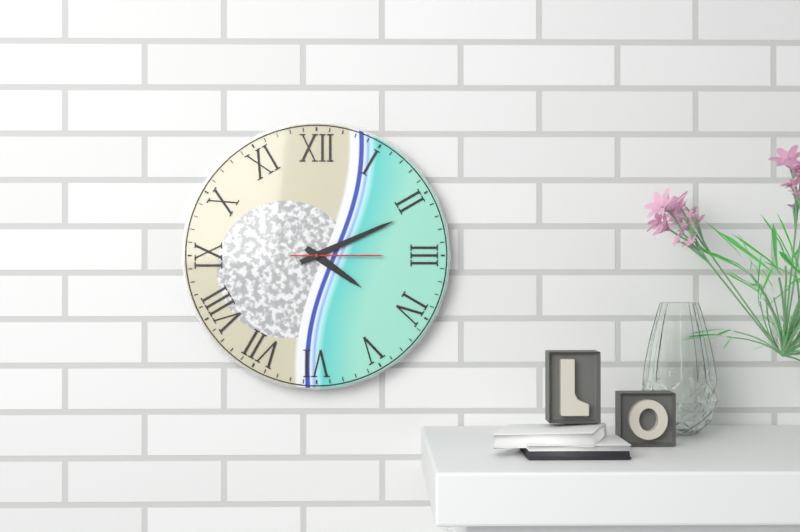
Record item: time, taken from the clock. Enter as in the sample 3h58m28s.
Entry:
4h11m15s
